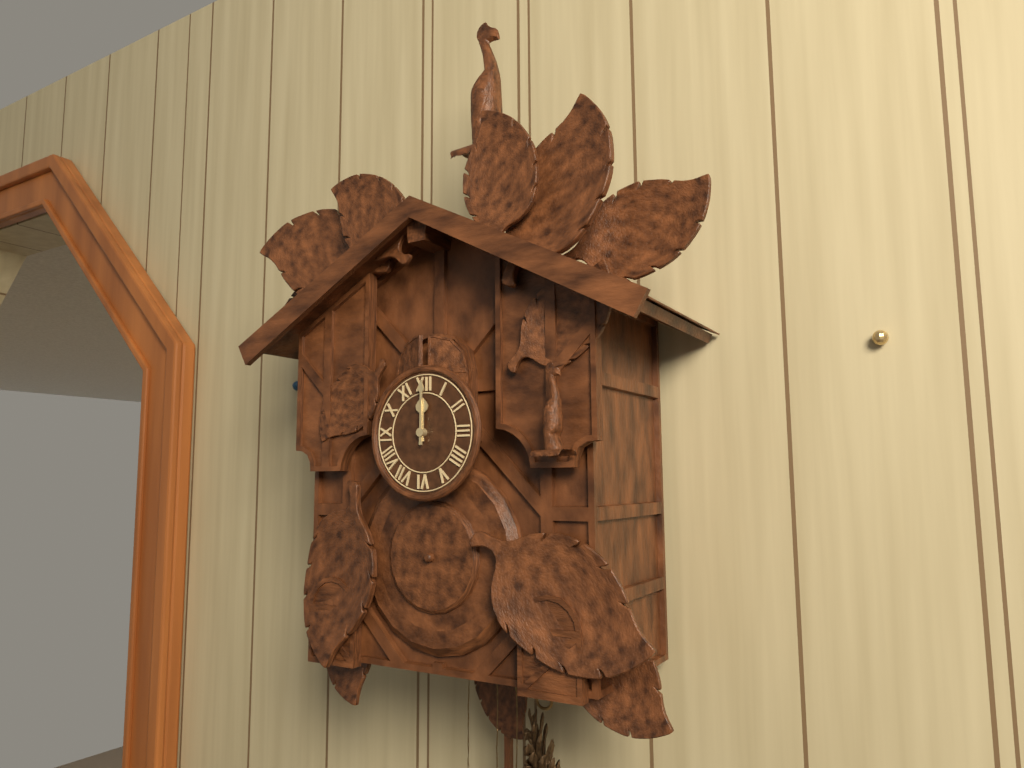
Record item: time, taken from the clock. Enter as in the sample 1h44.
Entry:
12h00
